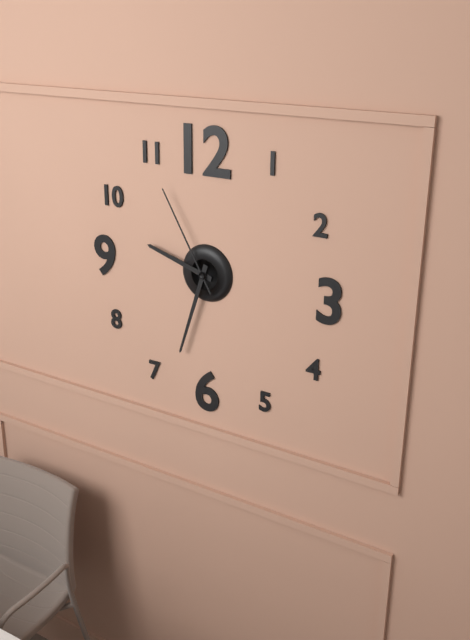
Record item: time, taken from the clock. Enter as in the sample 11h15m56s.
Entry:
9h33m55s
